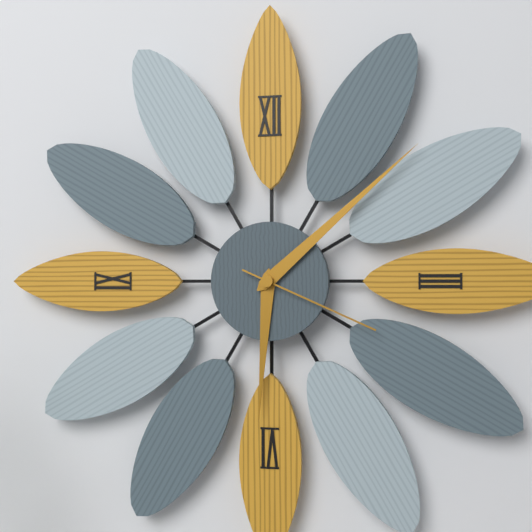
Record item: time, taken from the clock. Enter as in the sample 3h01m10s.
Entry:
6h08m19s
